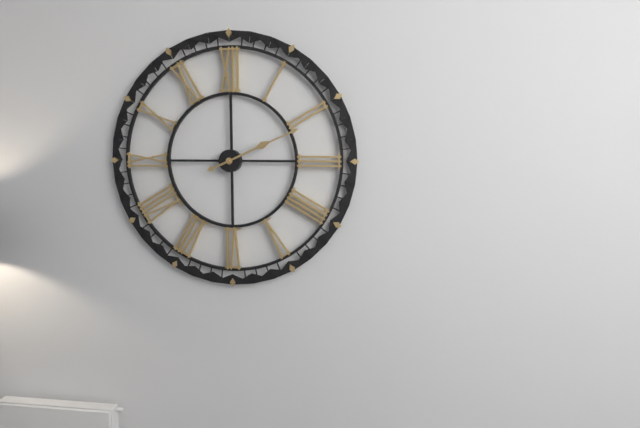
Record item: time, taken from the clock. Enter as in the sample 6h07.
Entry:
2h11
